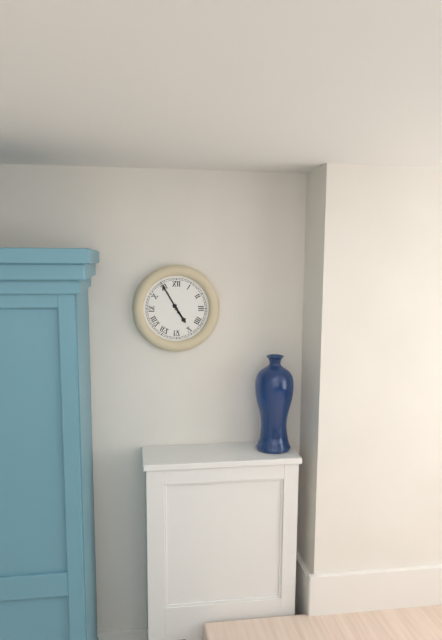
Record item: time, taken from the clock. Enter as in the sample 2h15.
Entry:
4h55
